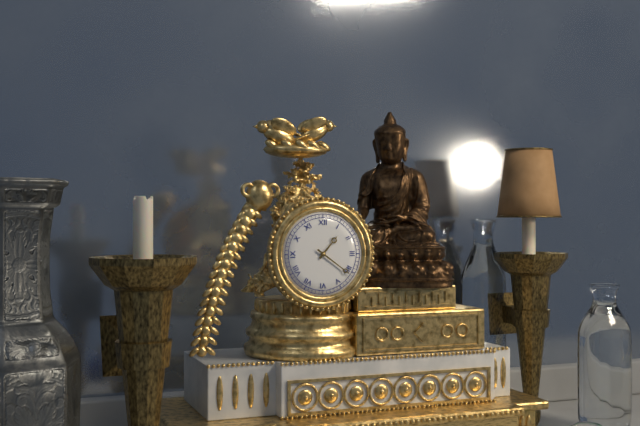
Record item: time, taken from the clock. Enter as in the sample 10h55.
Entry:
1h21
